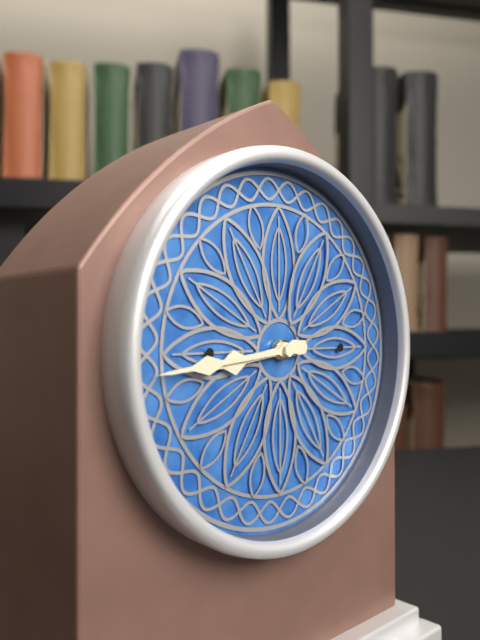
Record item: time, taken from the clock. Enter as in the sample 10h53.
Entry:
8h44
